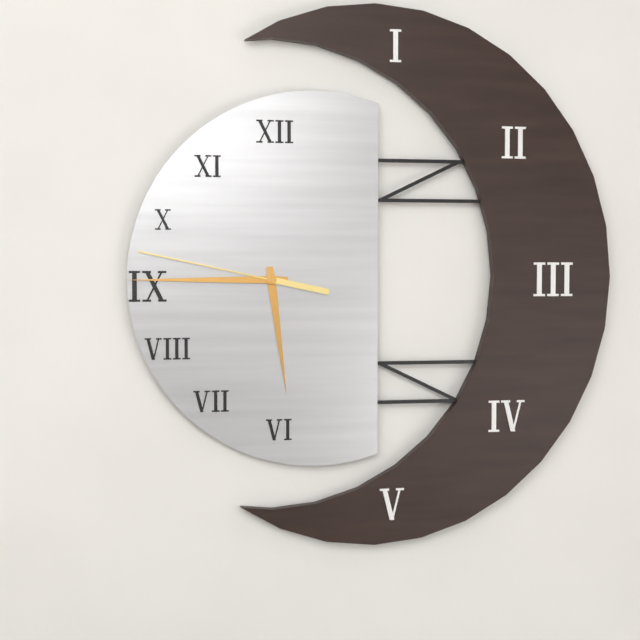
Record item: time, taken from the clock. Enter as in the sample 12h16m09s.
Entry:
5h45m47s
